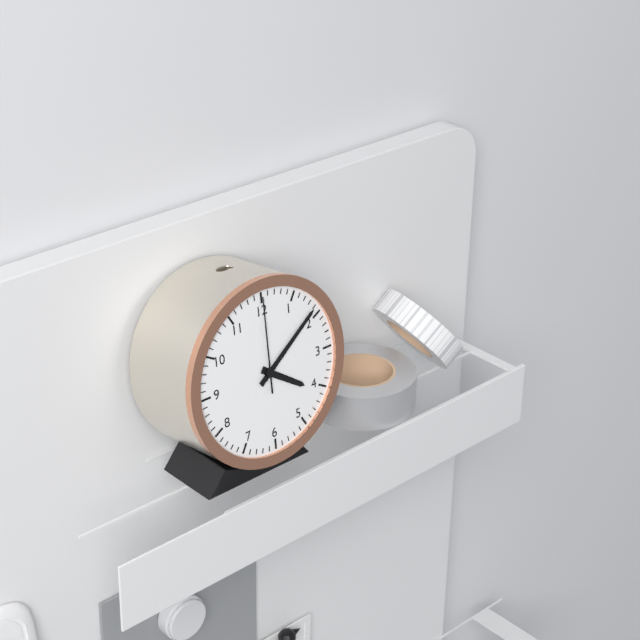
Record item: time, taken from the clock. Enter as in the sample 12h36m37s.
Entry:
4h09m00s
